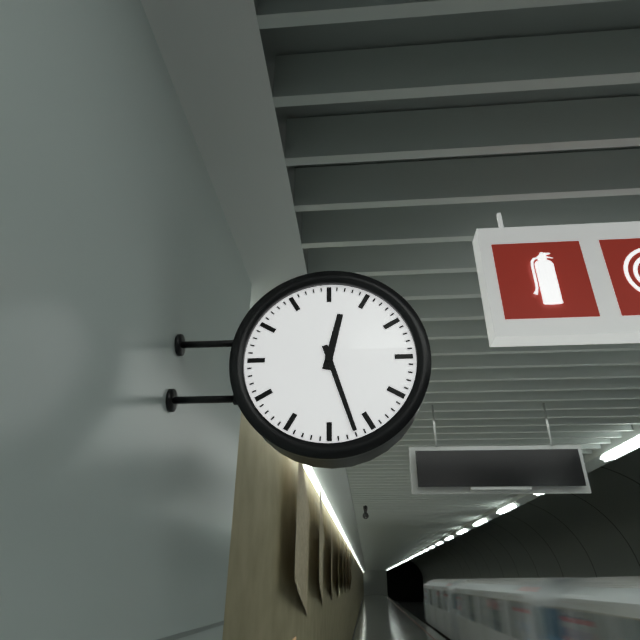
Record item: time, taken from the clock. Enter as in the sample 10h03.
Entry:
12h27
